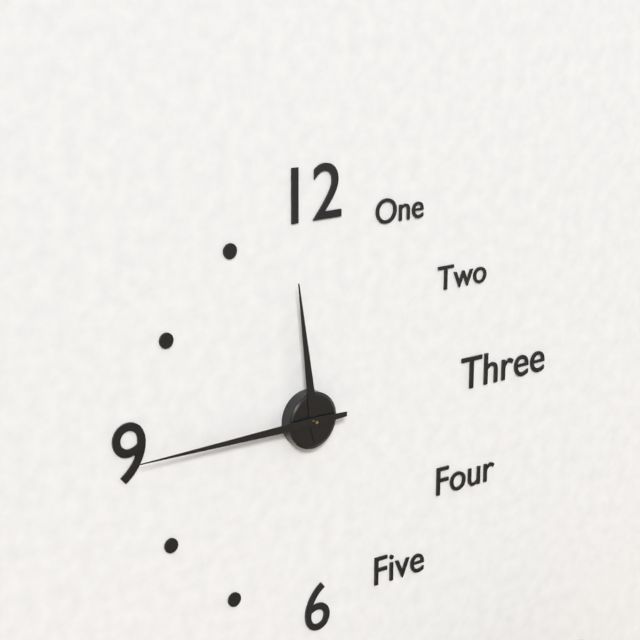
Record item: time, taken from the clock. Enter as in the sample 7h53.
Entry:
11h45
